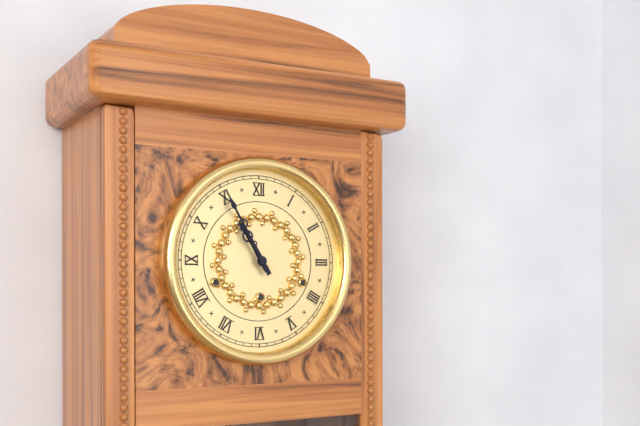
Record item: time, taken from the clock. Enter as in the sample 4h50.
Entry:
10h55
